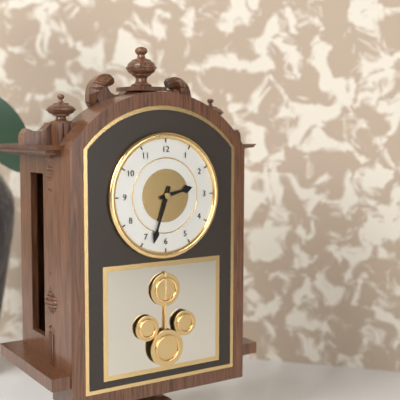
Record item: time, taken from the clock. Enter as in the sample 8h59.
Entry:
2h33
